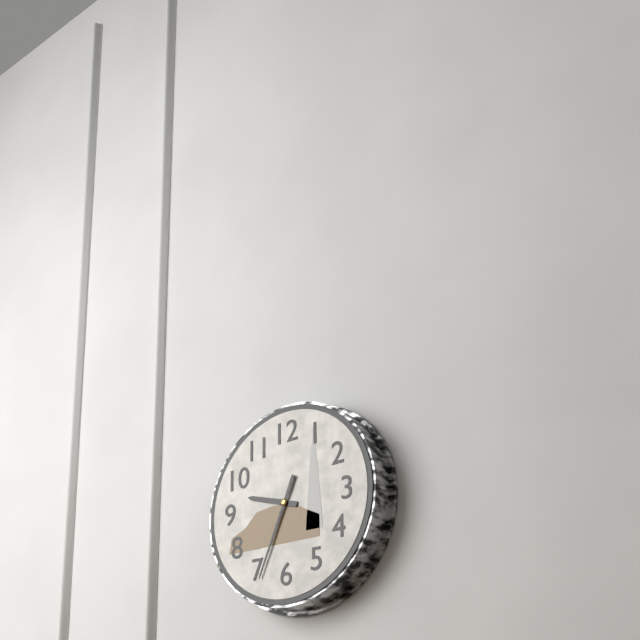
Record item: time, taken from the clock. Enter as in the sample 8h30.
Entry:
9h34
